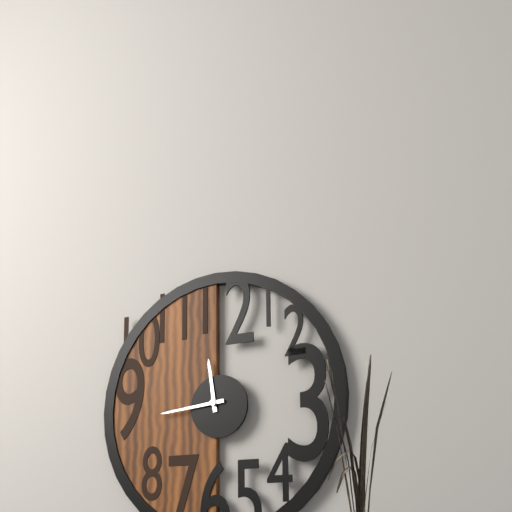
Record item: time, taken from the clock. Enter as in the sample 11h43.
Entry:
11h44
